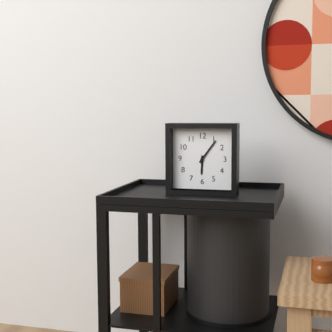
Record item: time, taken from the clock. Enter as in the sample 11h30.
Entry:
6h06
